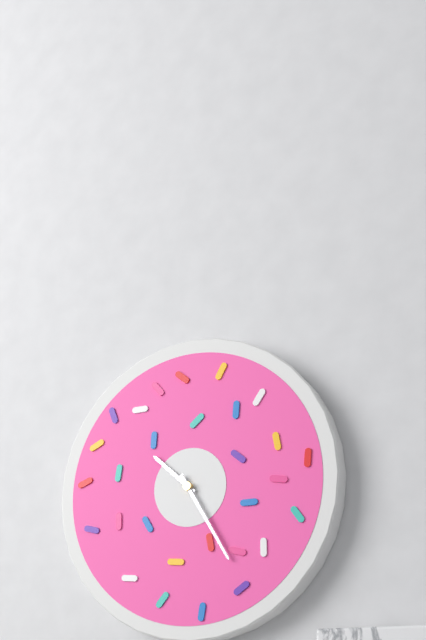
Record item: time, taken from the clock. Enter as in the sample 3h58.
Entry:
10h25
